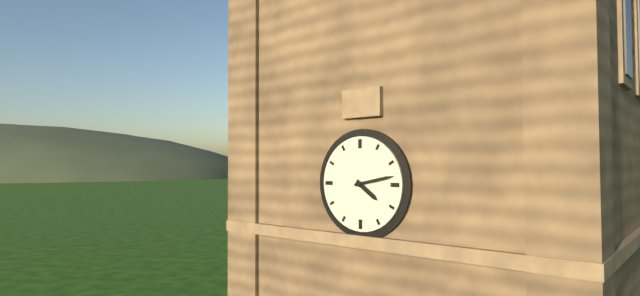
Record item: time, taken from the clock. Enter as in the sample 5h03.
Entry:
4h13
